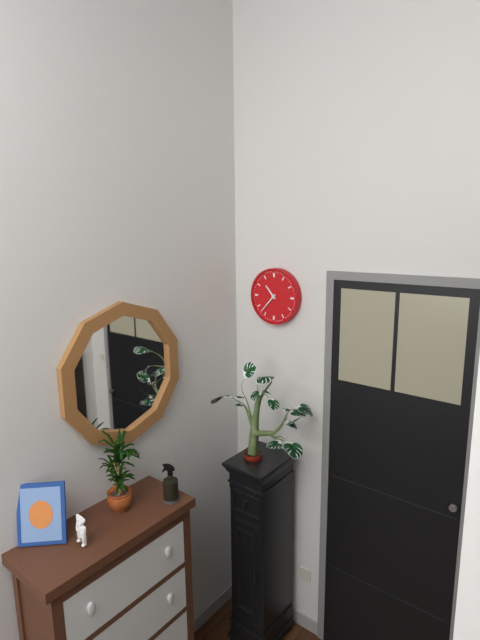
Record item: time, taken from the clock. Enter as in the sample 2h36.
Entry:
10h37
